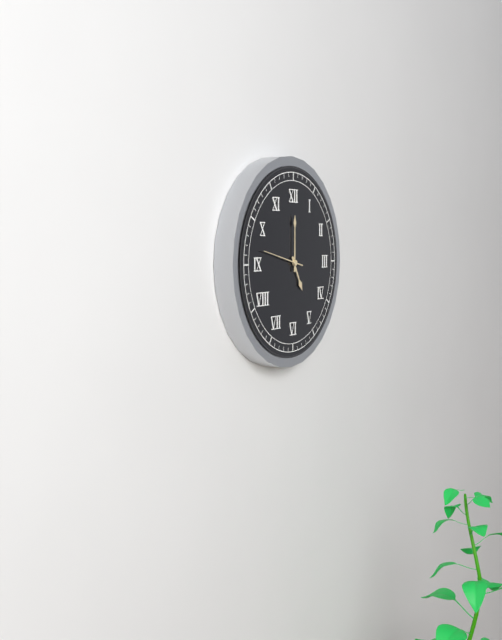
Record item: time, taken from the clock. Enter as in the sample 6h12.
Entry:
5h00
